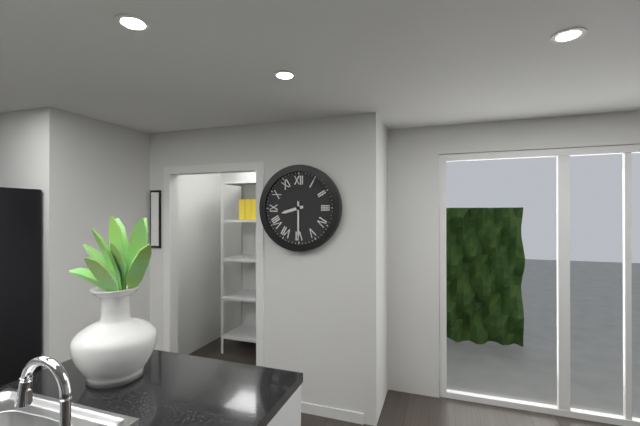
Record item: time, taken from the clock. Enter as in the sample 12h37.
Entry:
8h30
